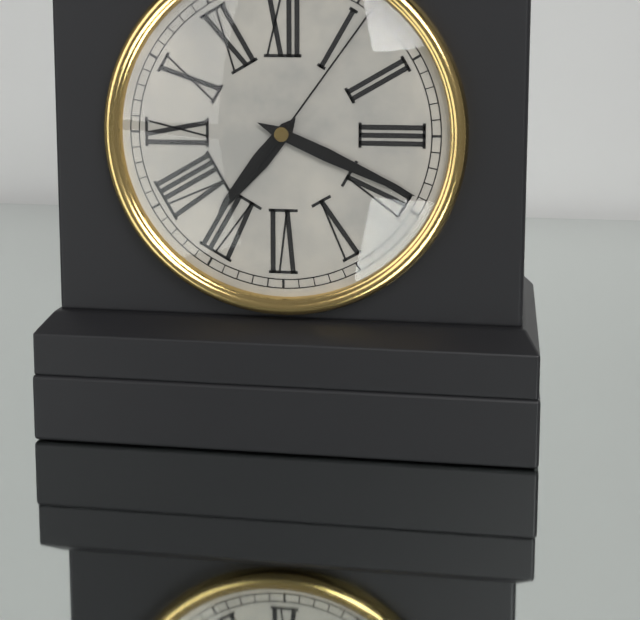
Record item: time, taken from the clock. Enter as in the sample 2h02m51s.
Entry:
7h19m06s
